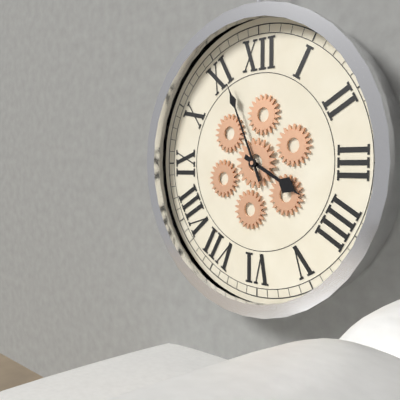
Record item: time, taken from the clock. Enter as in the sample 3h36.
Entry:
3h56
